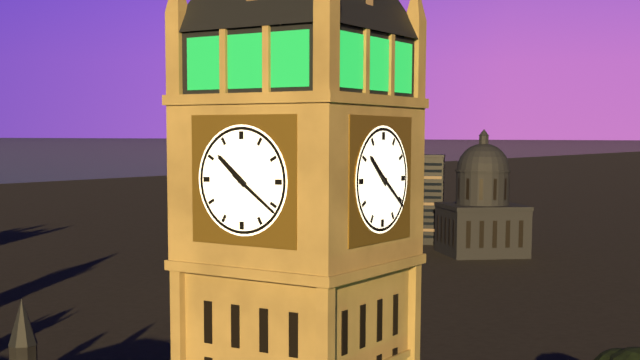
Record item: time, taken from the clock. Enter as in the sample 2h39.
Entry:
10h21
